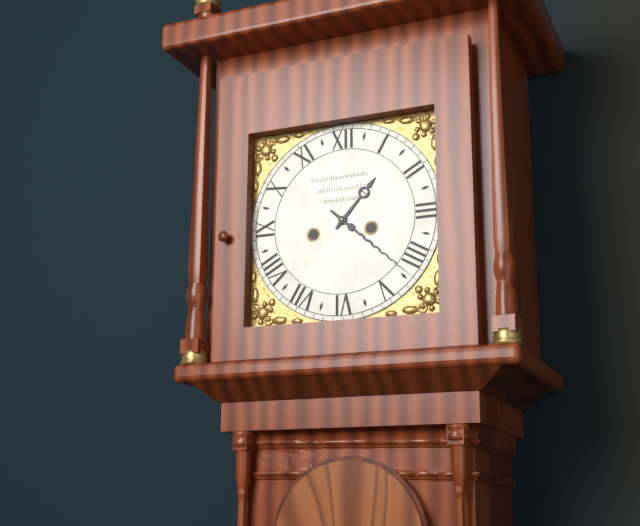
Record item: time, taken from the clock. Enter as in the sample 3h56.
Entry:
1h22
